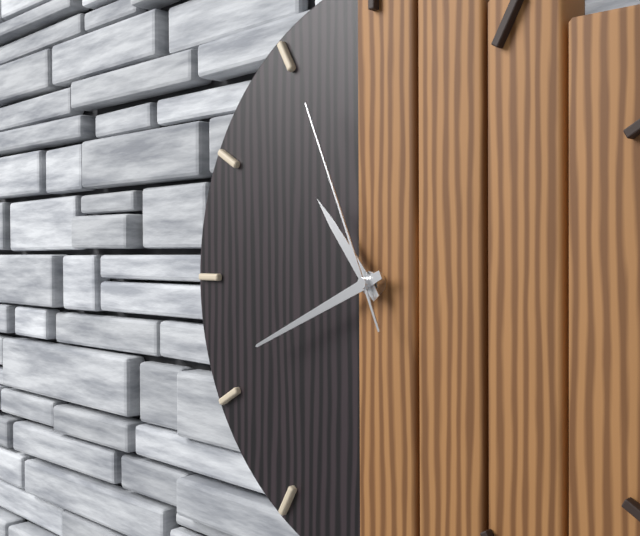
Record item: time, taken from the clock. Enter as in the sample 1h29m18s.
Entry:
10h41m56s
